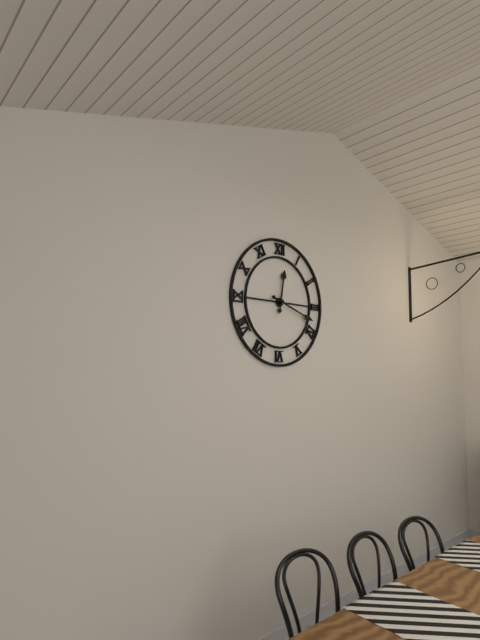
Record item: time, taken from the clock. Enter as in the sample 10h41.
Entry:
12h18
